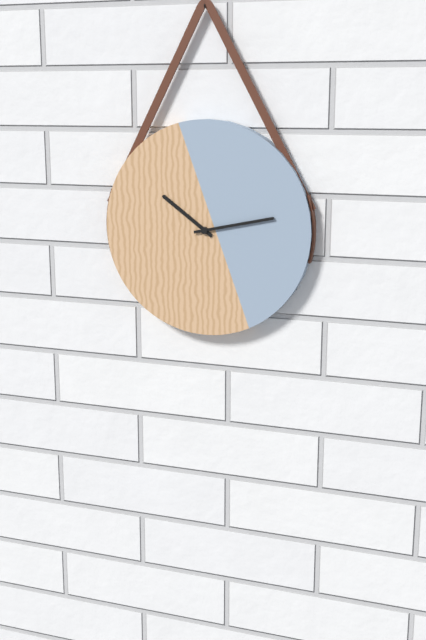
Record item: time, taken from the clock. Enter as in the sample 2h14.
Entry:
10h13
